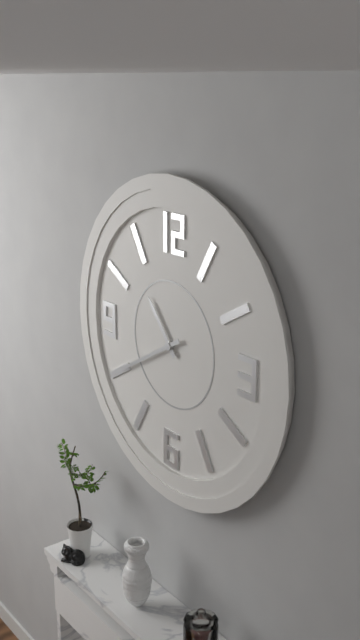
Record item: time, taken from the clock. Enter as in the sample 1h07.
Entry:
10h40
